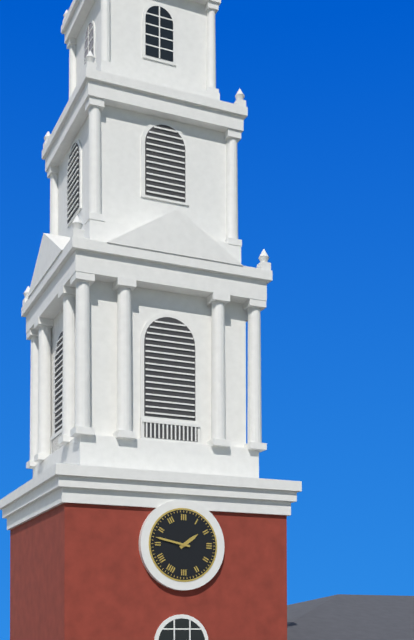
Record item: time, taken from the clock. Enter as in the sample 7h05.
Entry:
1h47
